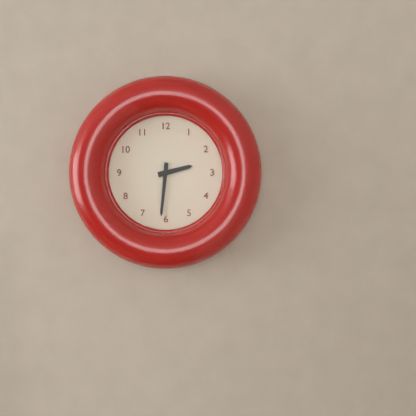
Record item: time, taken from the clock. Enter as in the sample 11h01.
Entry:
2h31
